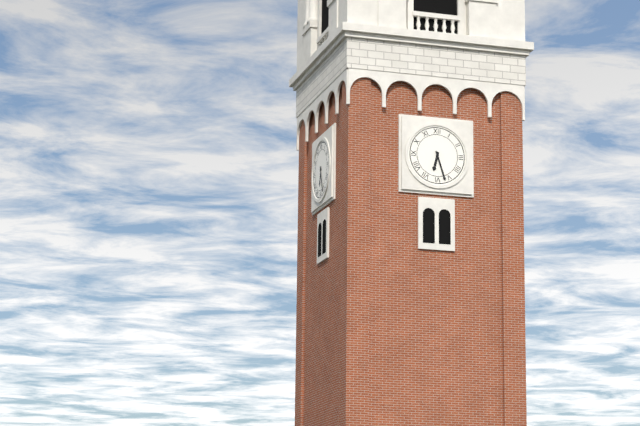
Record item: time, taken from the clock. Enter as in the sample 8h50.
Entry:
6h27
